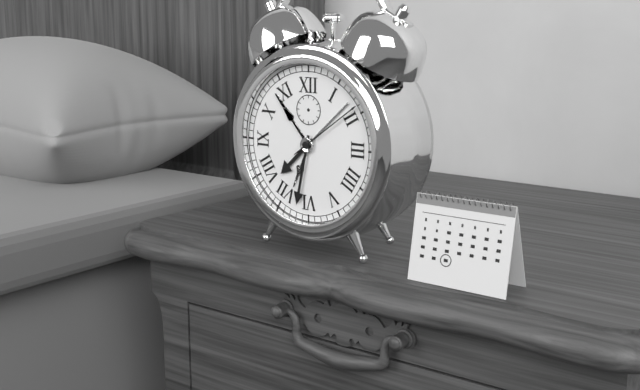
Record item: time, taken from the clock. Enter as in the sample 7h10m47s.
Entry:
7h32m09s
